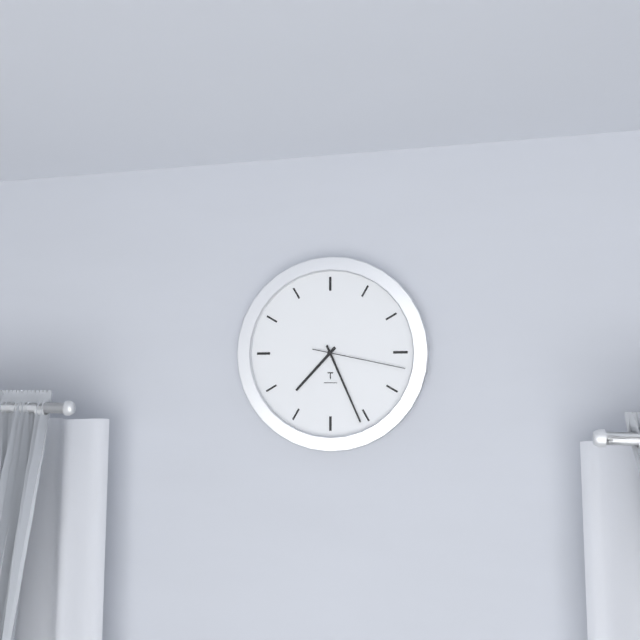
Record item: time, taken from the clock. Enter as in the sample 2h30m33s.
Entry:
7h26m17s
